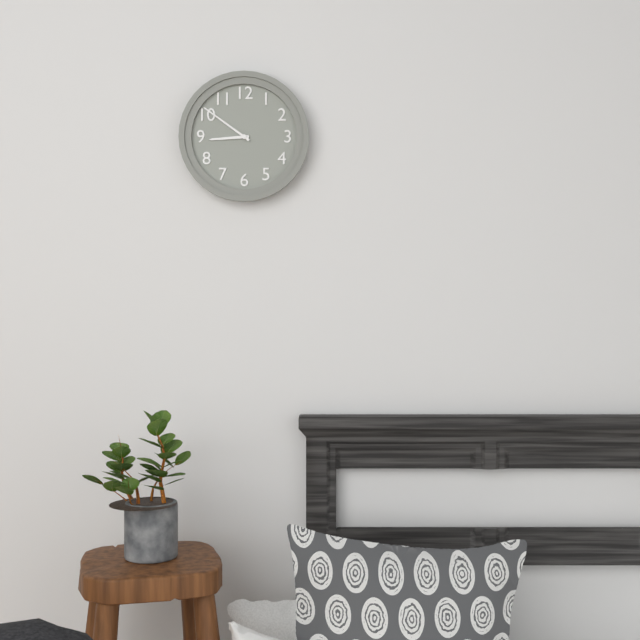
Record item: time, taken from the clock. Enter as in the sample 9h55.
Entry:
8h51
